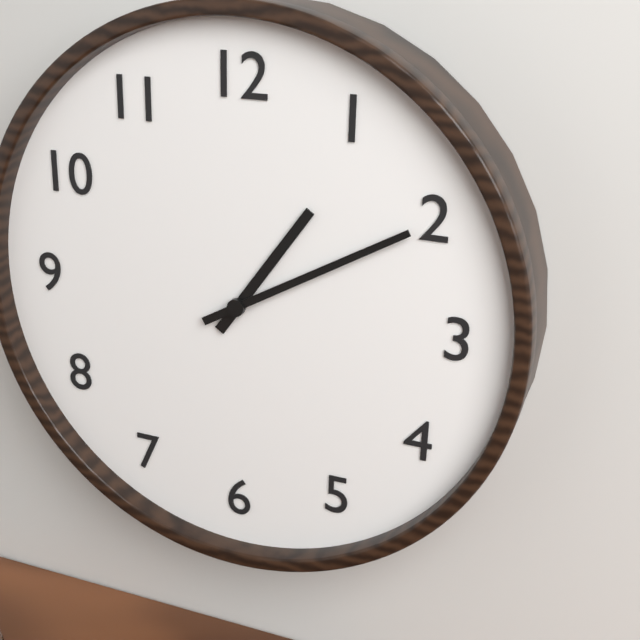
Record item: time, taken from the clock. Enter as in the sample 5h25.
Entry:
1h10
